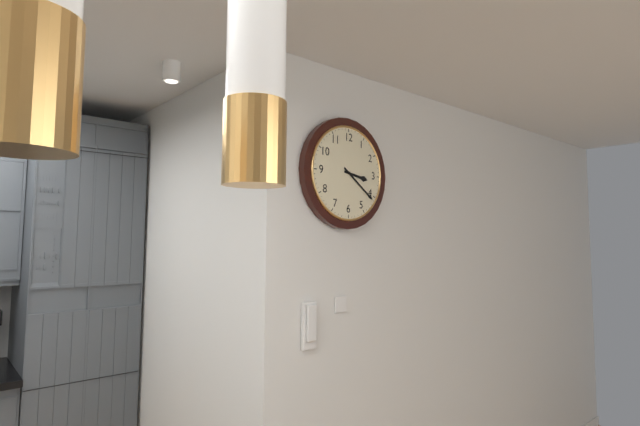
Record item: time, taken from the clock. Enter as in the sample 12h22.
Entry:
3h21
